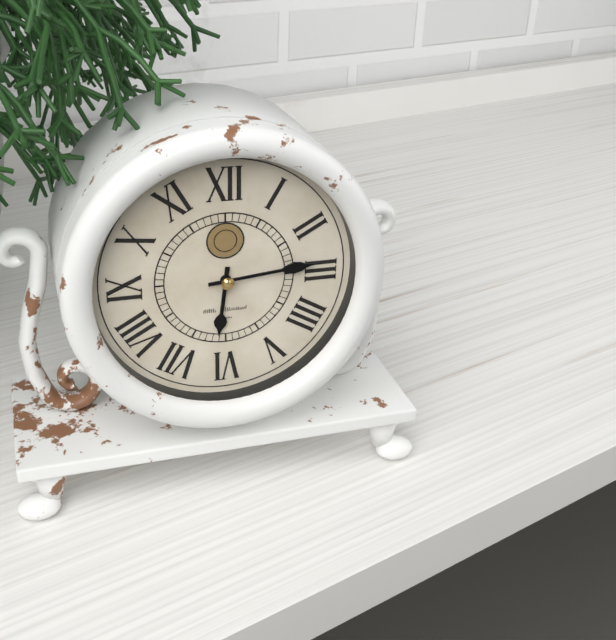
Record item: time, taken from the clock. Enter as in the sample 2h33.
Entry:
6h14
